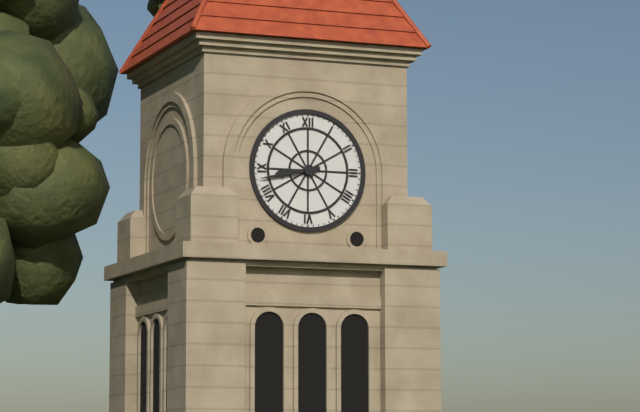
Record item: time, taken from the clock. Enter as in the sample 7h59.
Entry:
8h43
